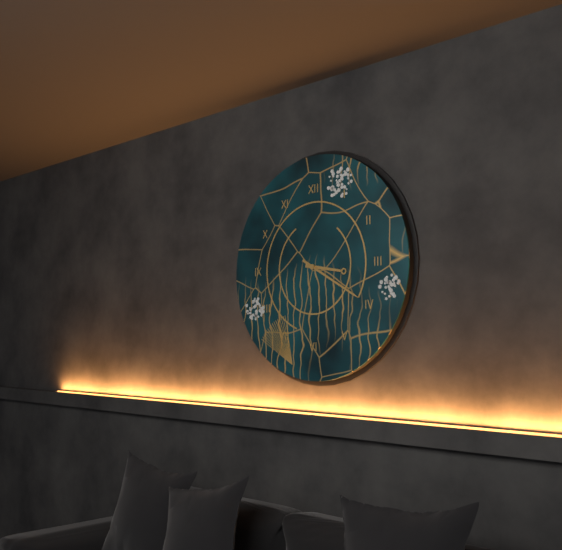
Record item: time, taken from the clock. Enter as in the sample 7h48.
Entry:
3h20
